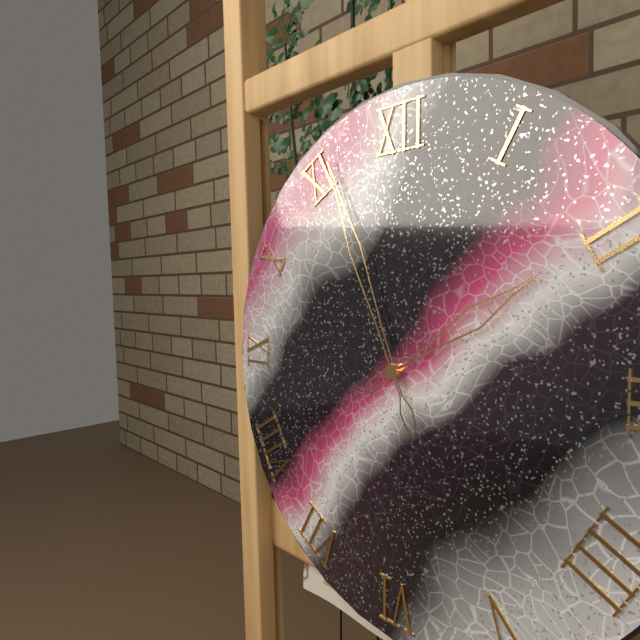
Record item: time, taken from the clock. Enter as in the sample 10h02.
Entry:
1h56
